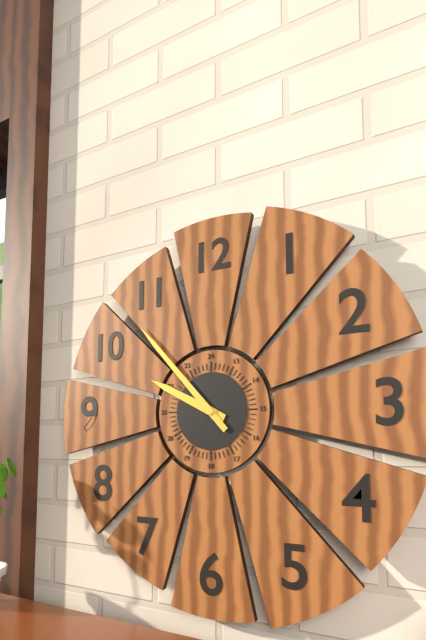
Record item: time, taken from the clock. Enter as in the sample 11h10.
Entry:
9h53
